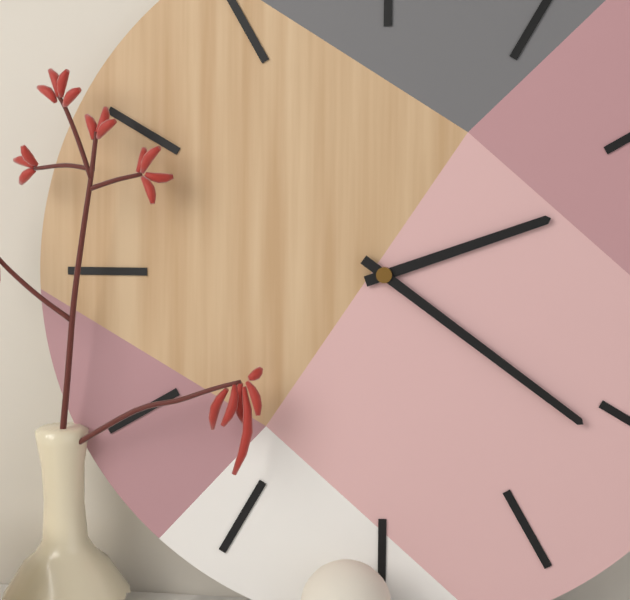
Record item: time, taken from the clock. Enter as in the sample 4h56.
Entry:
2h21
